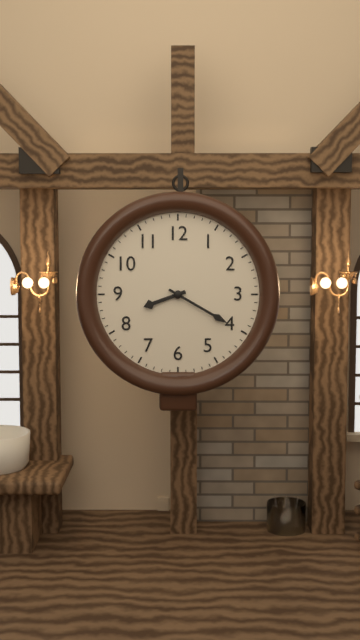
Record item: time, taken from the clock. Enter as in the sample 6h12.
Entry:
8h20
